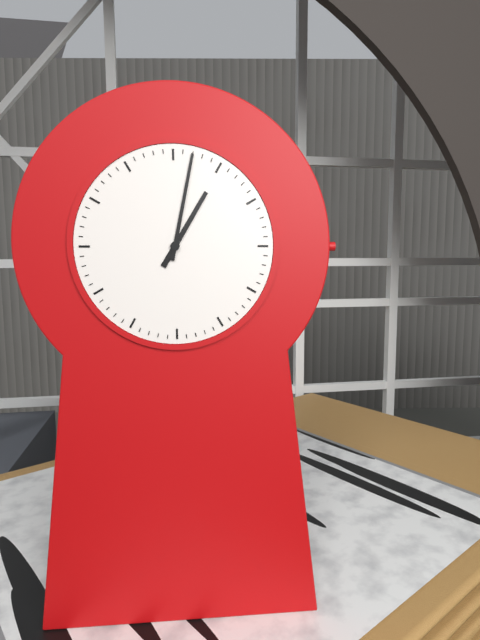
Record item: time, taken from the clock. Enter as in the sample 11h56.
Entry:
1h02
